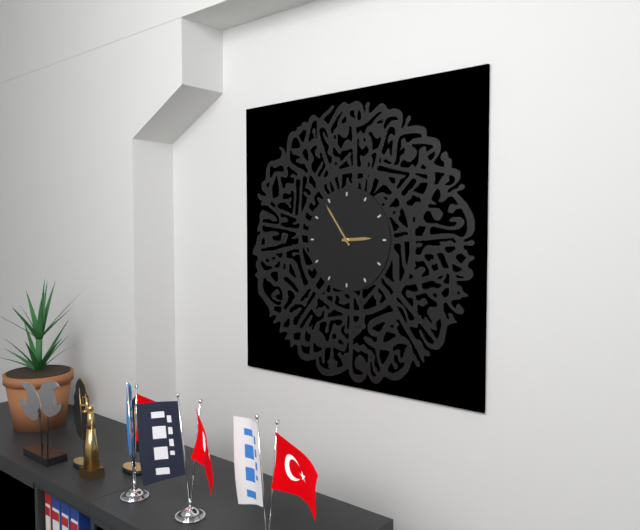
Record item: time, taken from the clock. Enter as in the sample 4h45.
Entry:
2h54
